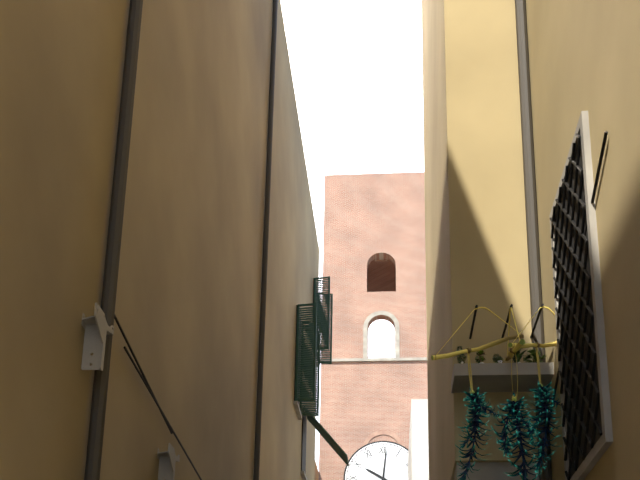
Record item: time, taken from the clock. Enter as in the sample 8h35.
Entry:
10h01
